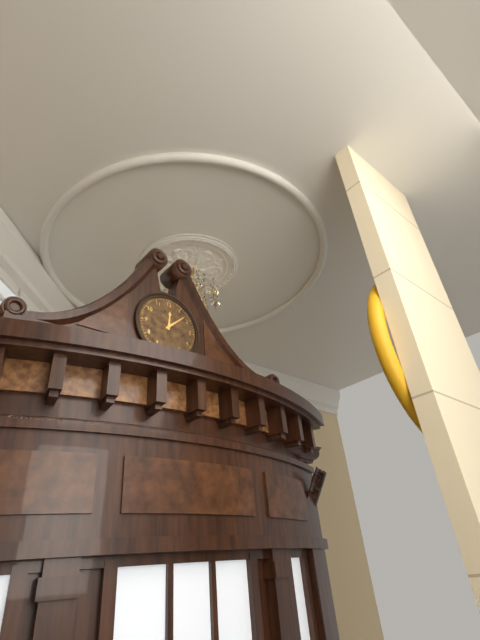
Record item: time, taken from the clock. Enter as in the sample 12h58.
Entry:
12h08
